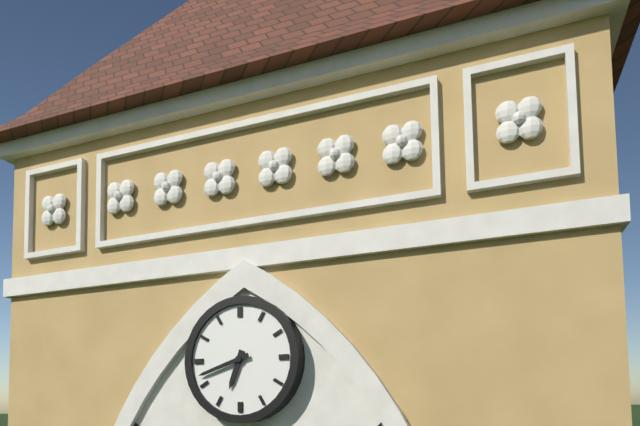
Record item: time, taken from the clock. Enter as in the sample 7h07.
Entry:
6h42
